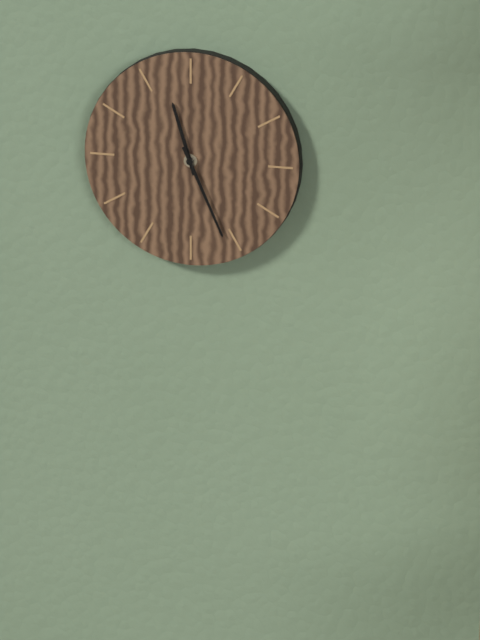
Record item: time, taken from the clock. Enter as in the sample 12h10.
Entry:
11h26
